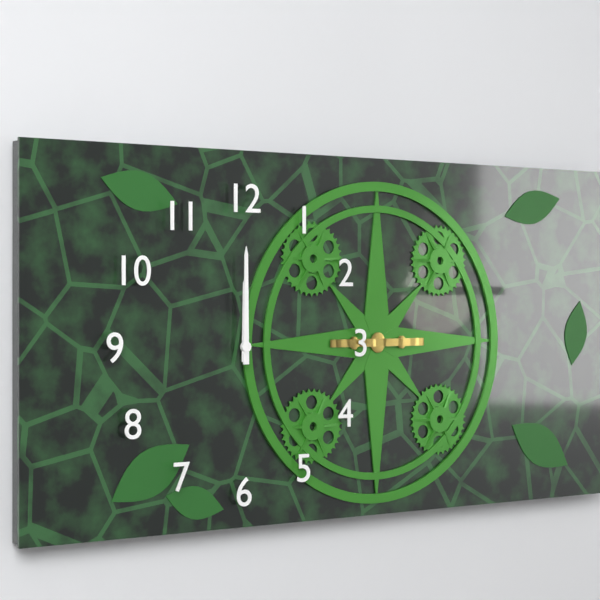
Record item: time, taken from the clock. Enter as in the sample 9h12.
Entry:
12h00
